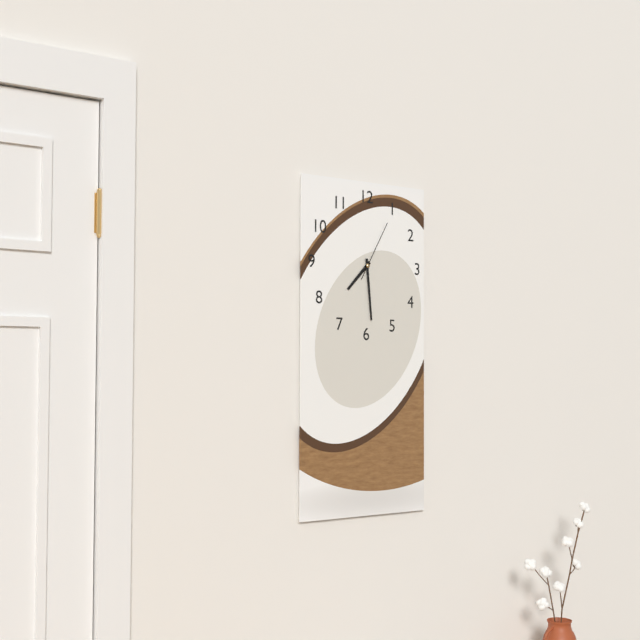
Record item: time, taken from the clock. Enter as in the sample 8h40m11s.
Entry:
7h29m05s
